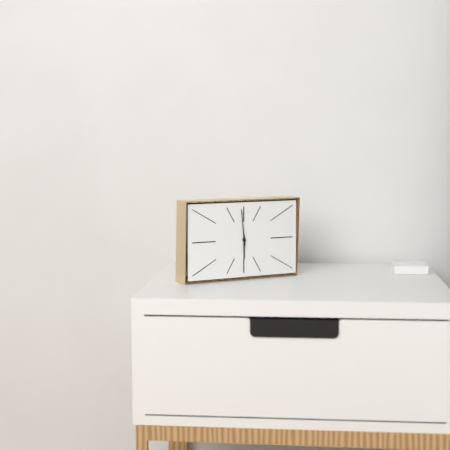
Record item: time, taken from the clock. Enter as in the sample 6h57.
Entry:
5h59
